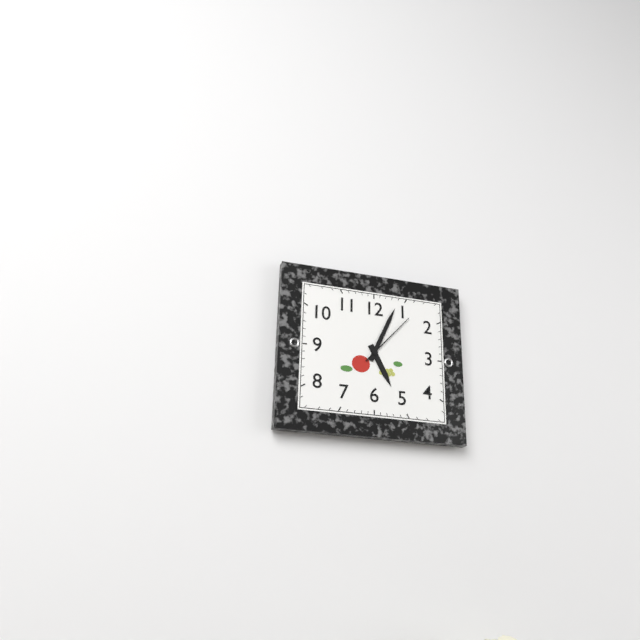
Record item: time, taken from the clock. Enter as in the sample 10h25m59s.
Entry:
5h04m07s
